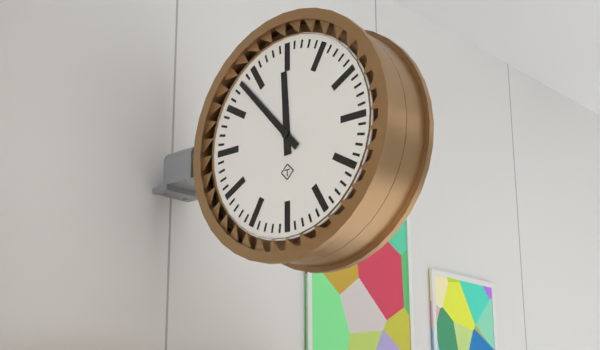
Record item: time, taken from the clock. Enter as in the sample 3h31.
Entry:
11h53
